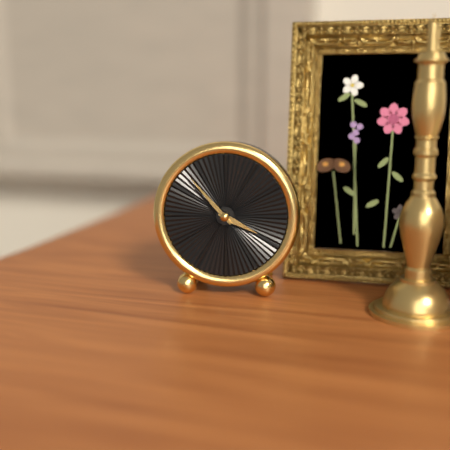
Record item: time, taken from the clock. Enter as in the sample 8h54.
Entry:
3h53
